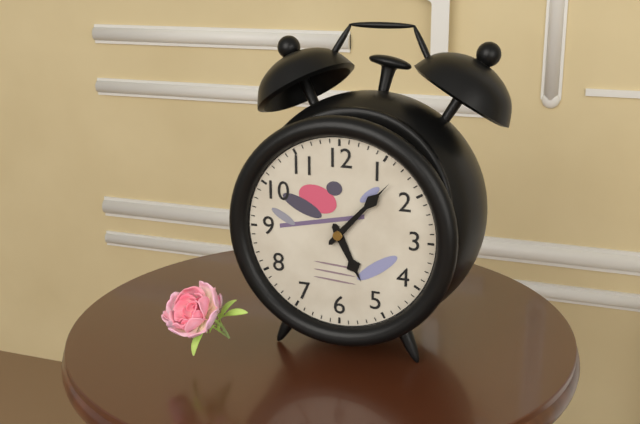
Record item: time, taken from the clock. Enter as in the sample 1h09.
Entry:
5h07
